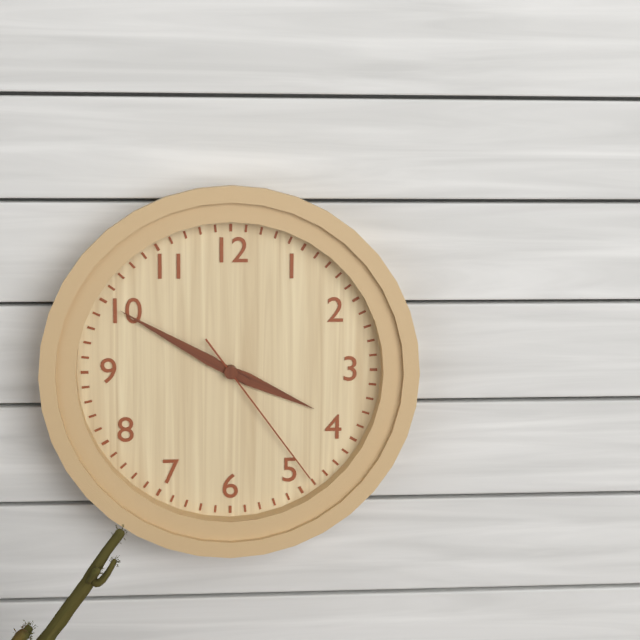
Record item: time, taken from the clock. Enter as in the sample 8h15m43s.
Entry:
3h50m24s
